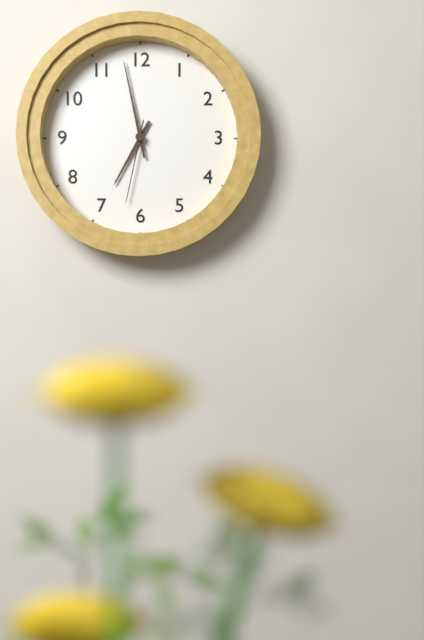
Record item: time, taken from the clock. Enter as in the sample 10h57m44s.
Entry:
6h58m32s
